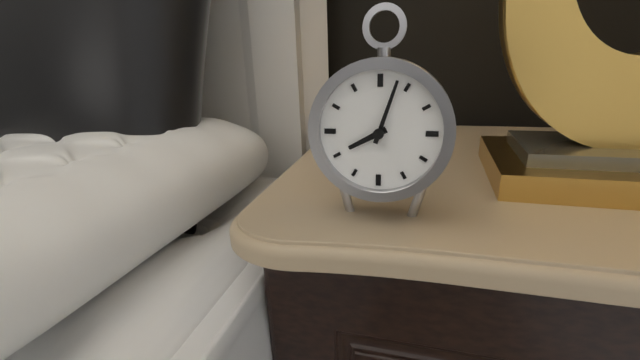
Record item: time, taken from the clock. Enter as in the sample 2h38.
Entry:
8h03
